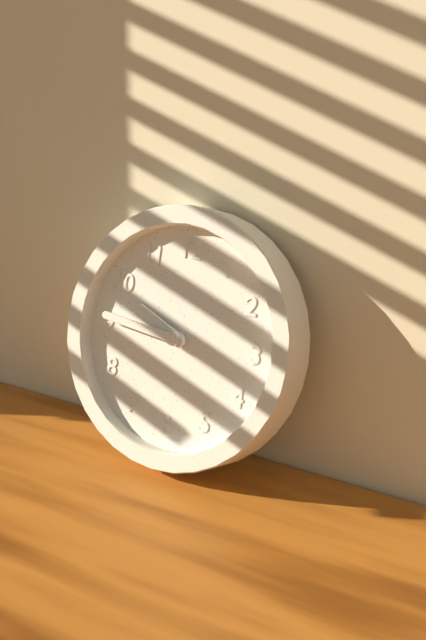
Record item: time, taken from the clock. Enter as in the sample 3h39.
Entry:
9h46
